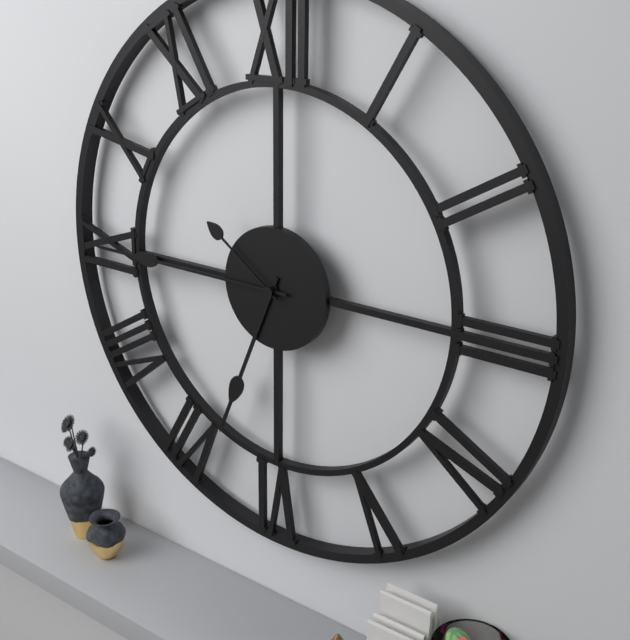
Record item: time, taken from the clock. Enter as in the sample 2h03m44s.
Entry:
6h45m51s
